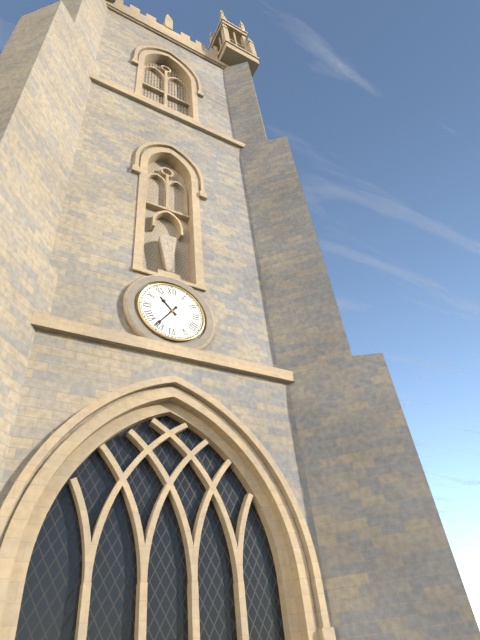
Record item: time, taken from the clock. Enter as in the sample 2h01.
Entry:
10h36
